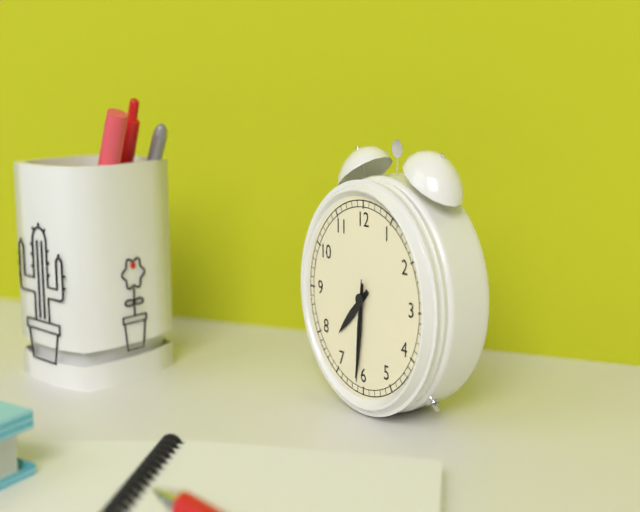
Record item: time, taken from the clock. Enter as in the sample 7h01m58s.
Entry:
7h31m31s
